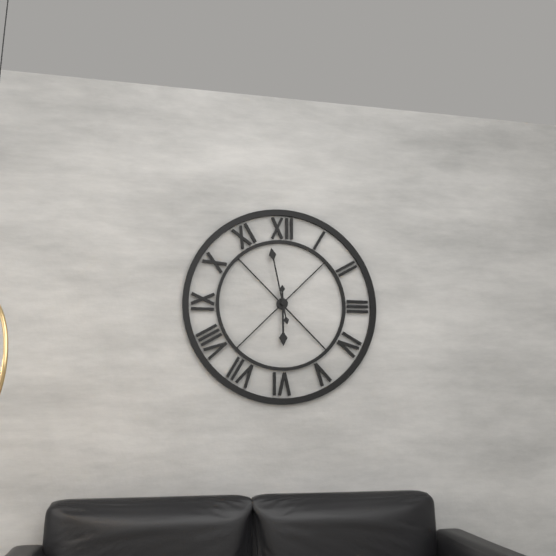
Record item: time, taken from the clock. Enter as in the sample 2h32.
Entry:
5h58
